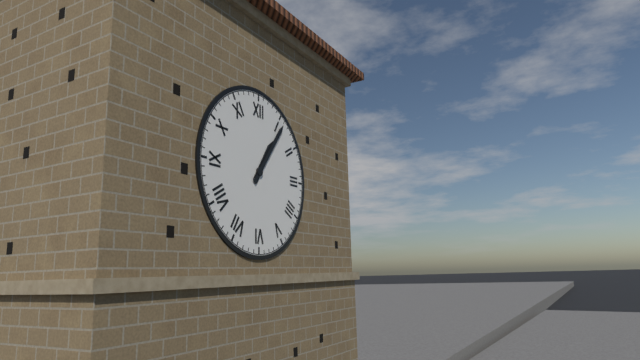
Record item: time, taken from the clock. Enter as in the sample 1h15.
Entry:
1h06
